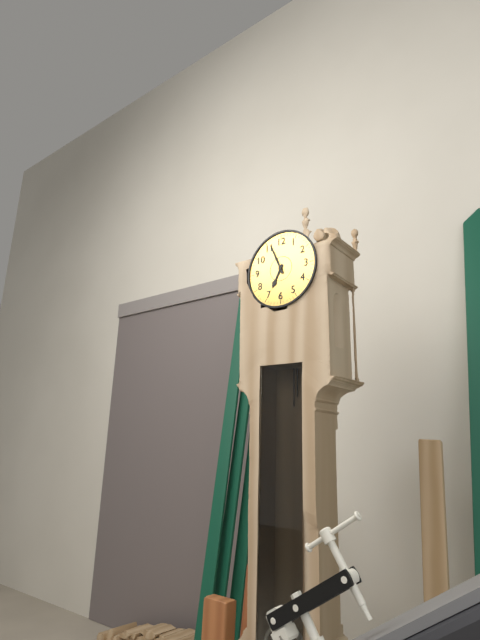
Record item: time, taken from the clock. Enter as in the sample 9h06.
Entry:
6h56
